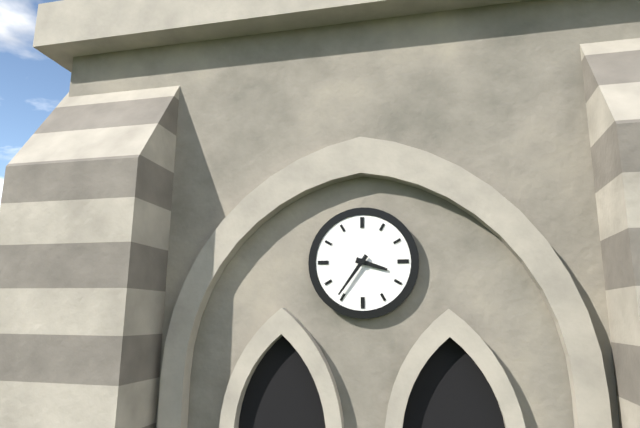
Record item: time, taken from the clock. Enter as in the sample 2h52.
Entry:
3h36
